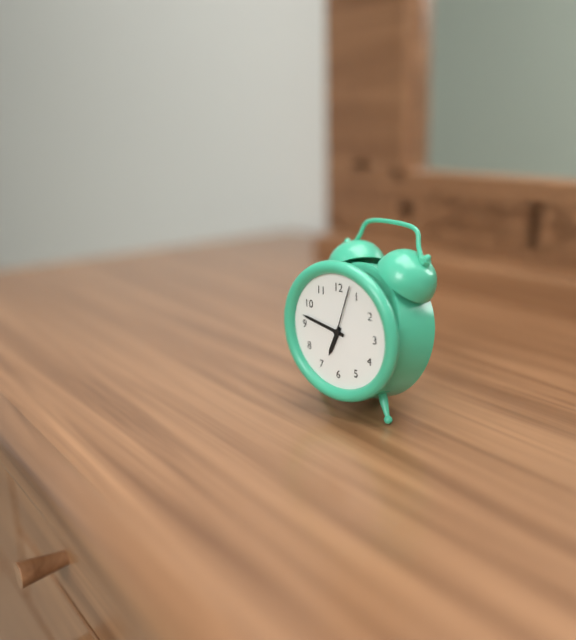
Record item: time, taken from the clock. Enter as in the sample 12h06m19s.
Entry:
6h47m03s
